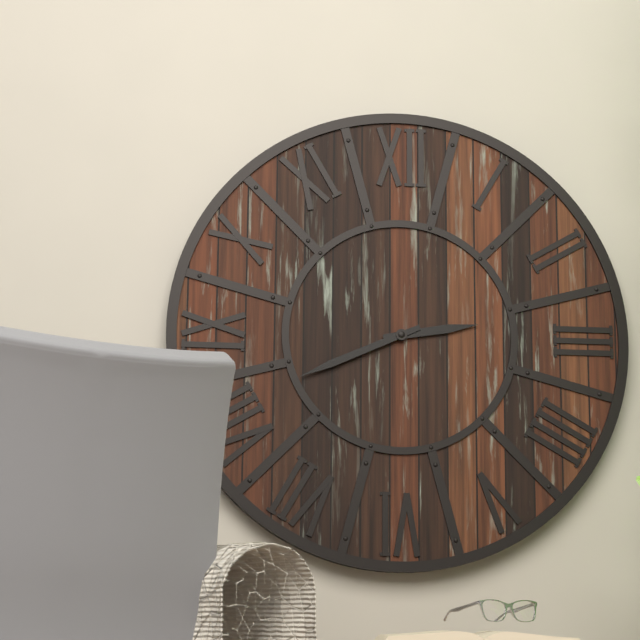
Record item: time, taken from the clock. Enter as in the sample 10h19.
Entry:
2h41
